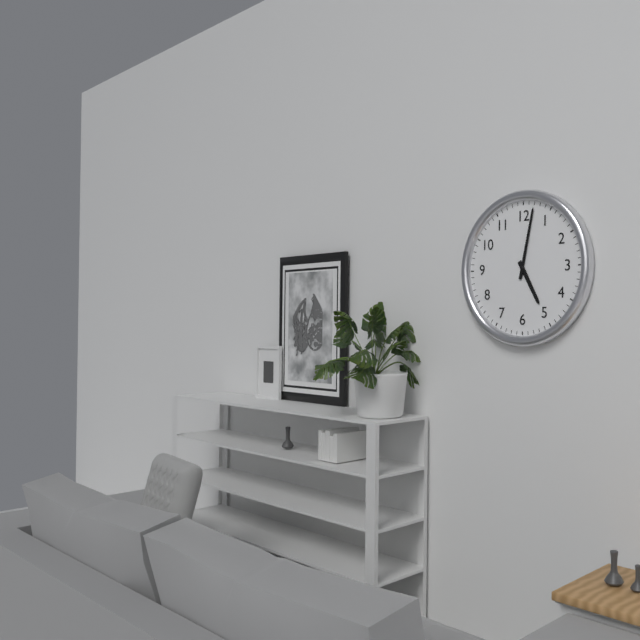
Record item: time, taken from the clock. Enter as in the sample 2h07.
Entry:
5h02
